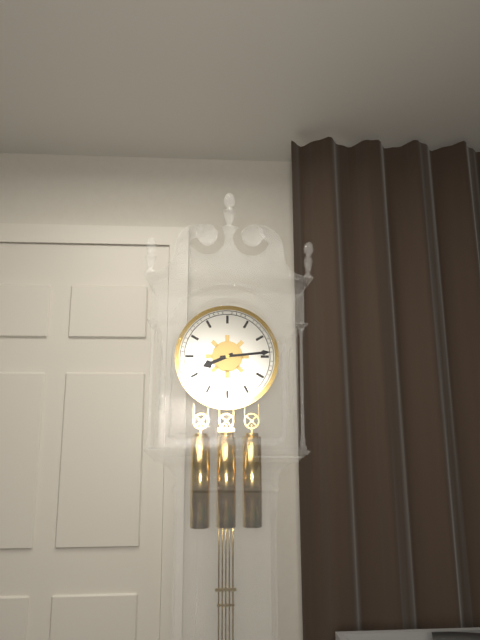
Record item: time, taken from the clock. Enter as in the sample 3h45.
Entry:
8h14
